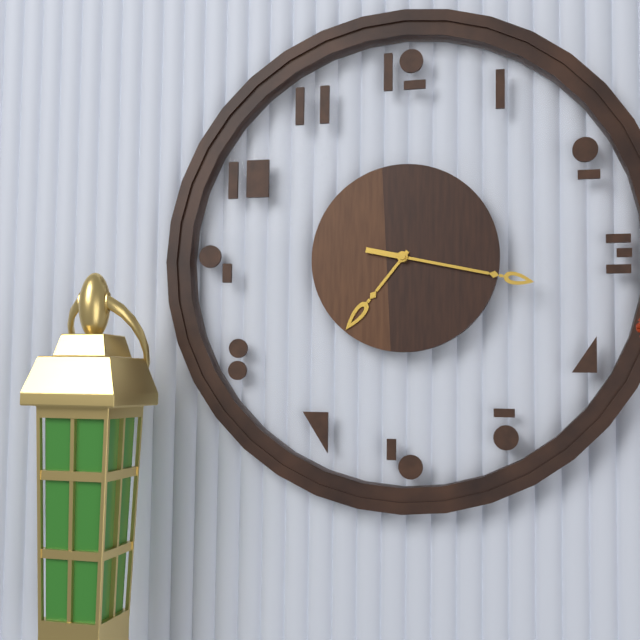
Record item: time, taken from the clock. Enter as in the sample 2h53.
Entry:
7h17
